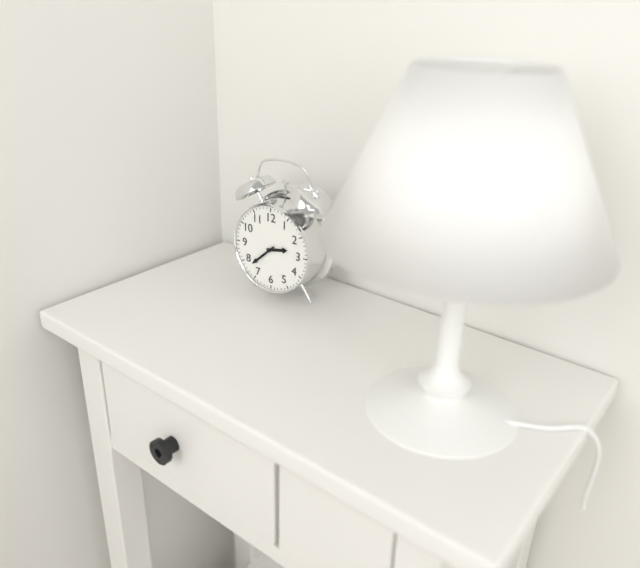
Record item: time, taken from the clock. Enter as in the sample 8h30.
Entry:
2h38
